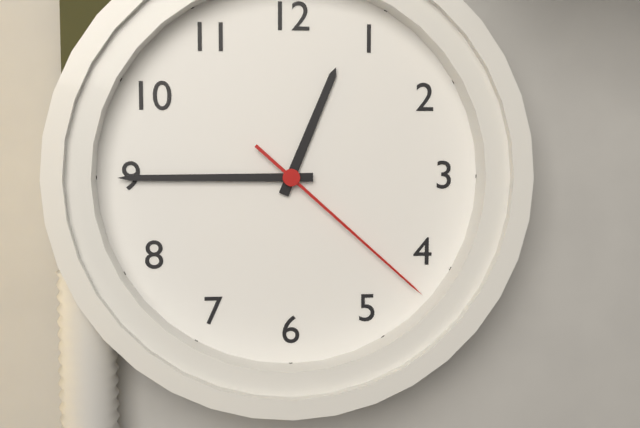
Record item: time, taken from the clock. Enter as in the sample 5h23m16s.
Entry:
12h45m22s
